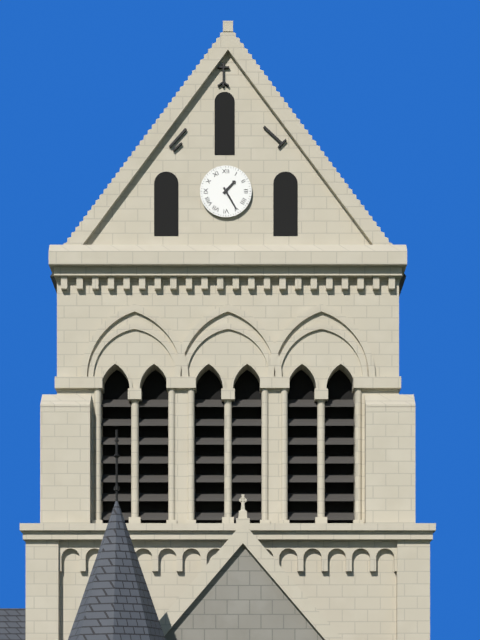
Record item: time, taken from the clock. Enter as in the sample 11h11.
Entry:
1h25
